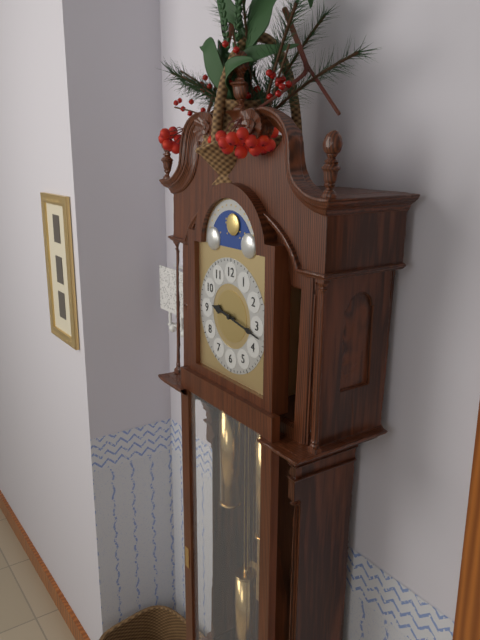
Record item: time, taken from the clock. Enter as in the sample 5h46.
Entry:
9h17
